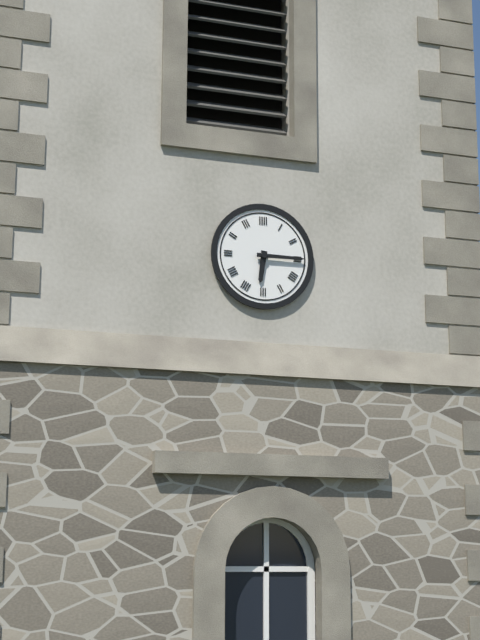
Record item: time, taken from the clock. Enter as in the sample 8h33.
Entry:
6h15
